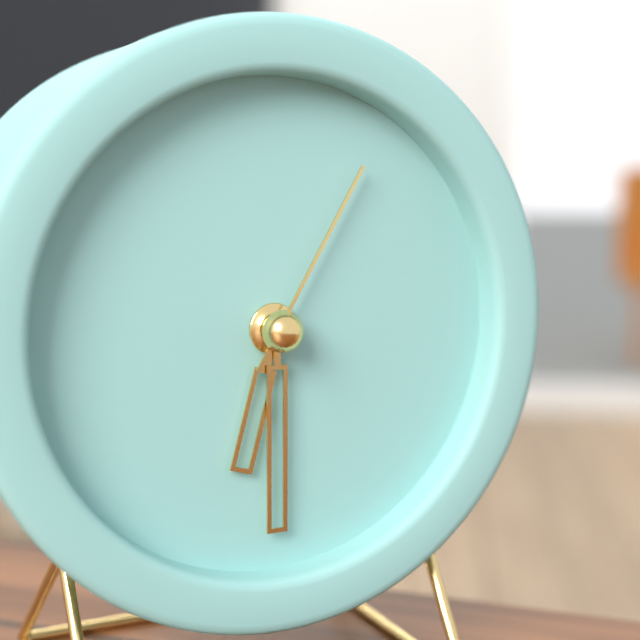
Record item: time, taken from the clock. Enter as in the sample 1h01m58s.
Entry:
6h30m05s
